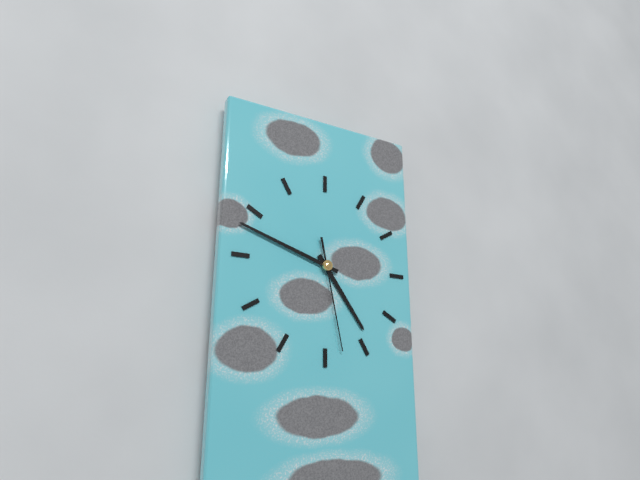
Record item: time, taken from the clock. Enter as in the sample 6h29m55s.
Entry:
4h48m28s
